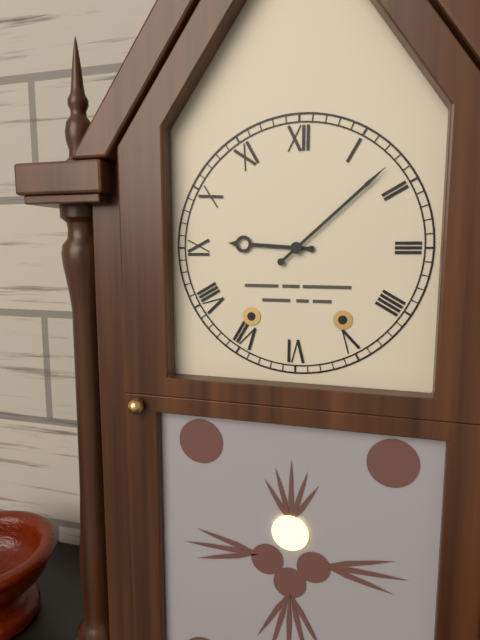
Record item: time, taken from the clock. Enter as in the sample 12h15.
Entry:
9h08
